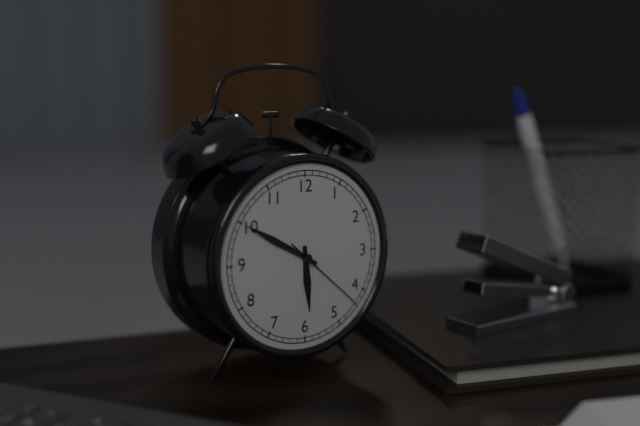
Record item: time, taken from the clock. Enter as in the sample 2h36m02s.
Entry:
5h50m22s
